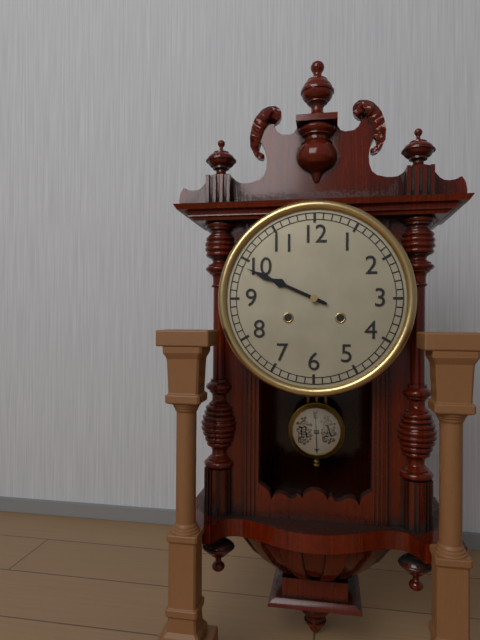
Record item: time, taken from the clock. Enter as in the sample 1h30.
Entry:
9h49
